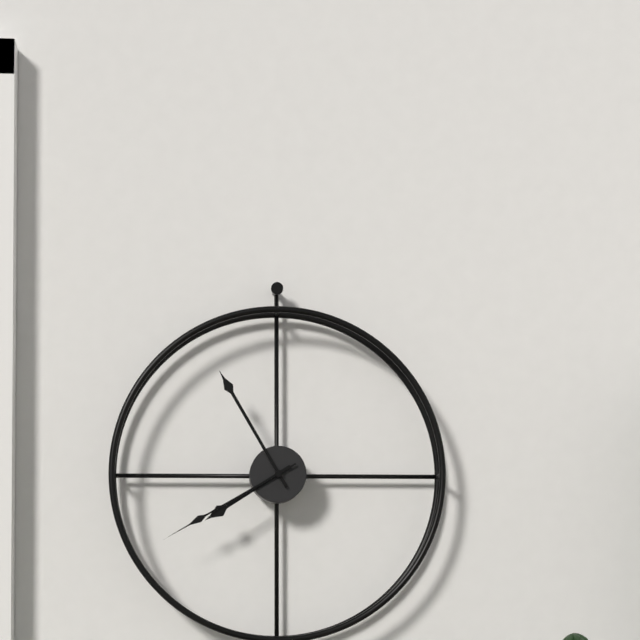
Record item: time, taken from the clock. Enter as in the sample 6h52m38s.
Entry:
7h55m40s
